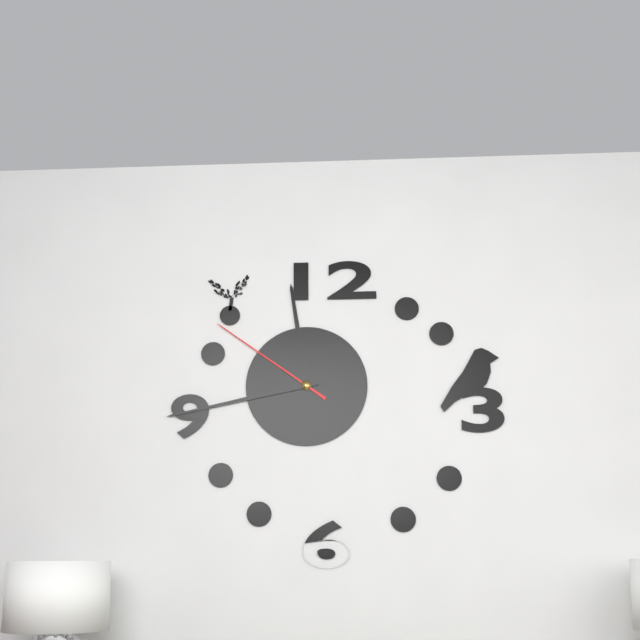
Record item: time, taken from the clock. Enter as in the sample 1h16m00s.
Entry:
11h43m51s
